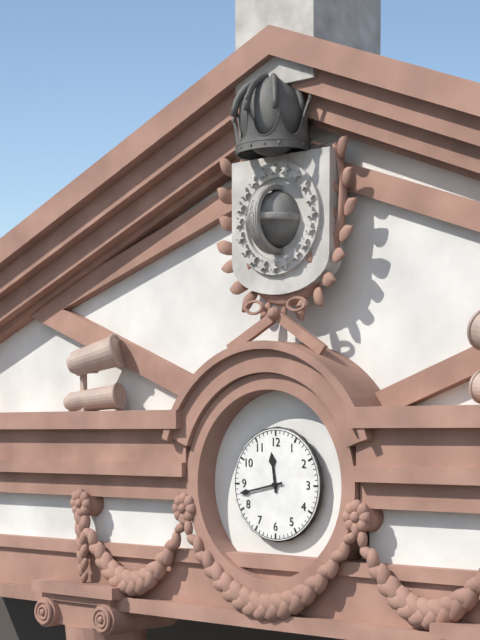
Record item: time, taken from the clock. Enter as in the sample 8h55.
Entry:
11h43
